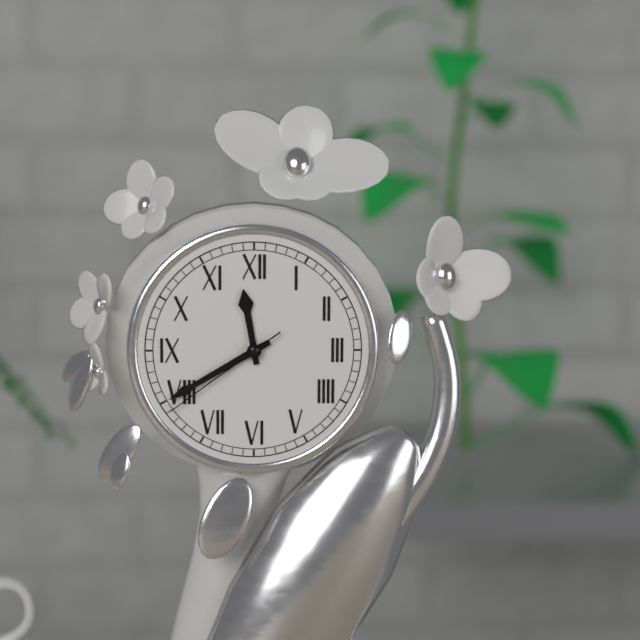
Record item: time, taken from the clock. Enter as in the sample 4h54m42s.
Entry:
11h40m39s
